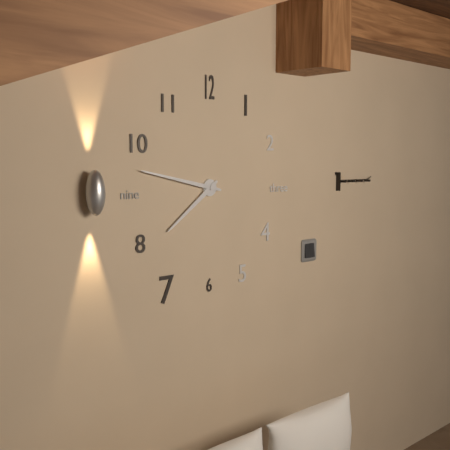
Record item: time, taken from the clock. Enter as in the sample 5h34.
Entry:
7h47
